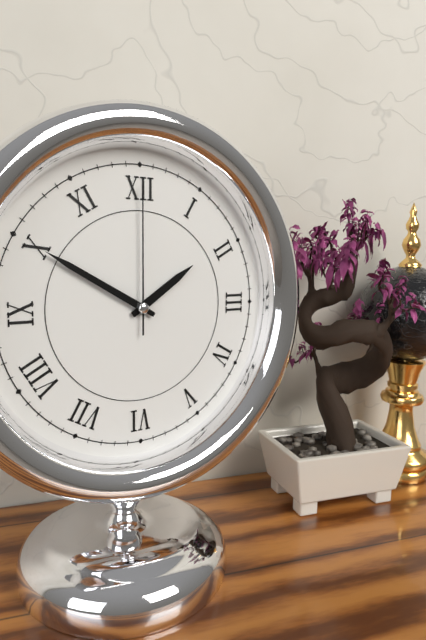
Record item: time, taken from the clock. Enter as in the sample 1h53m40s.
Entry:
1h50m00s
